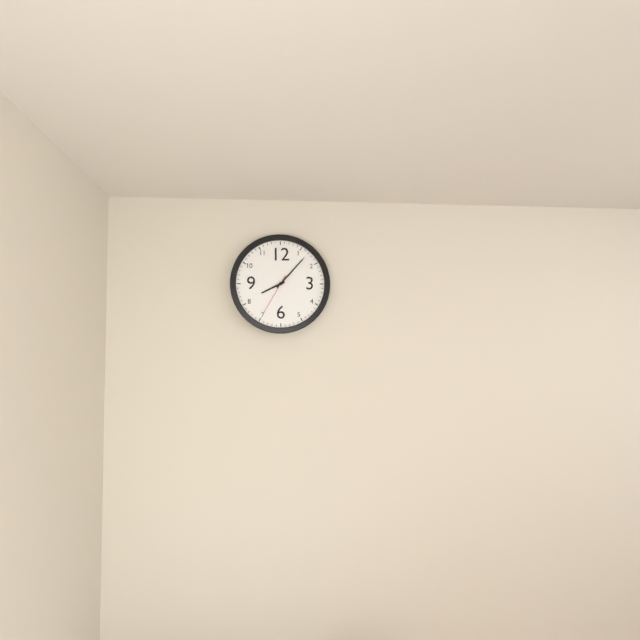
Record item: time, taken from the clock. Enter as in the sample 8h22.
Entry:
8h07
